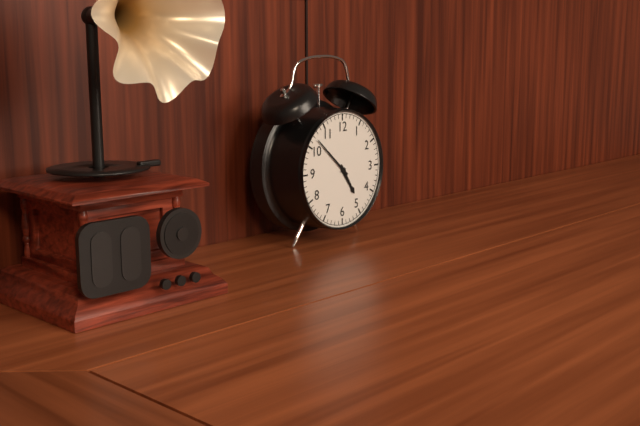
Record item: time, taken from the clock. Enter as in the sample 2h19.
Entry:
4h52
